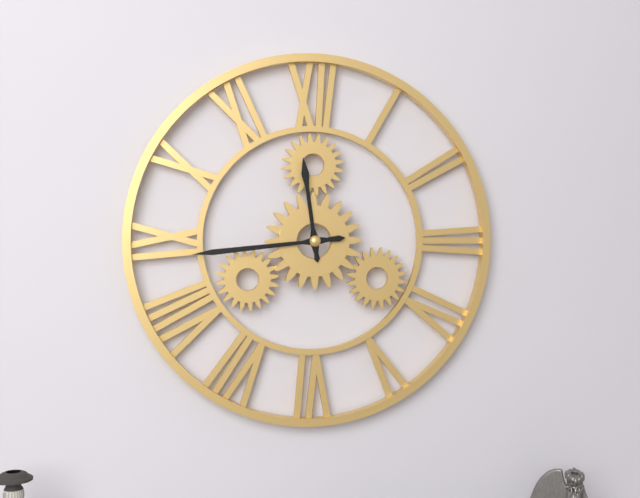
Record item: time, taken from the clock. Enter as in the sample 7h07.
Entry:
11h44
